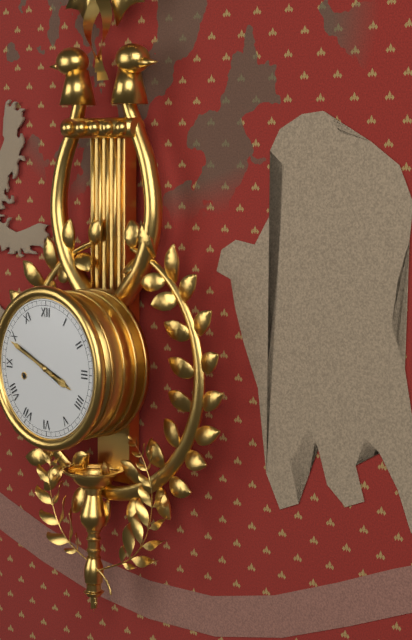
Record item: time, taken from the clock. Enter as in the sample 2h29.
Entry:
3h49
